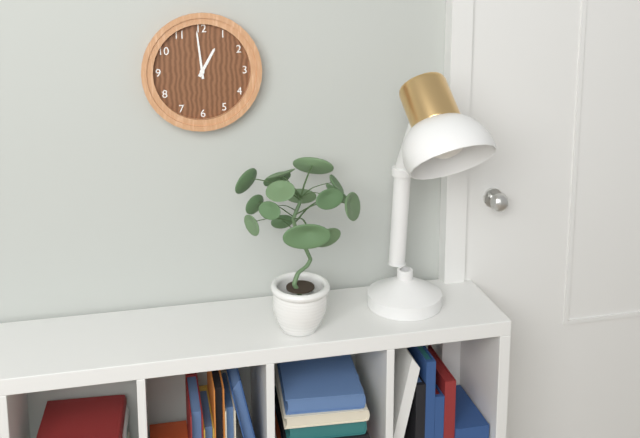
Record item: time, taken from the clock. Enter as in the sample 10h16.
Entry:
12h59
